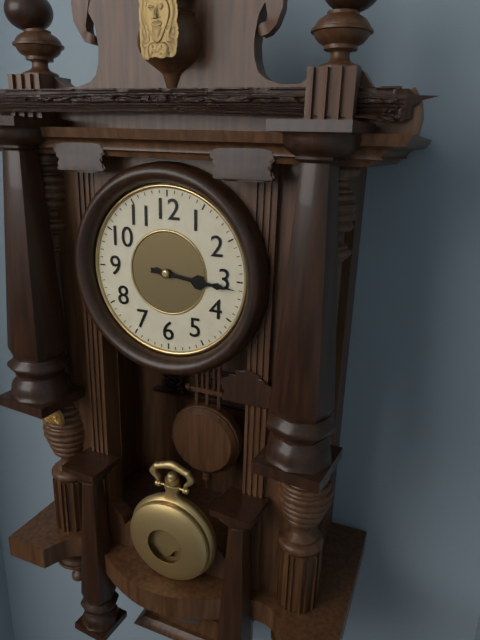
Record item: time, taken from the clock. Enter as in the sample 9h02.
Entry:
3h16
